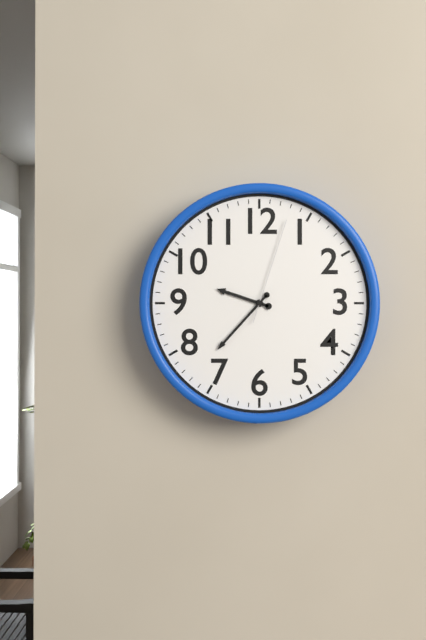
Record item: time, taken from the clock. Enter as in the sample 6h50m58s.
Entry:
9h37m03s
